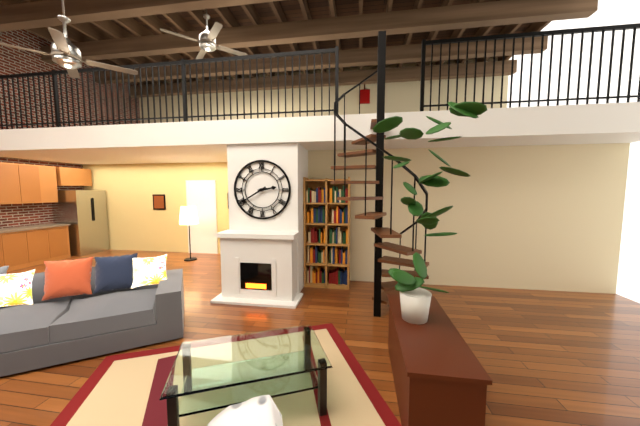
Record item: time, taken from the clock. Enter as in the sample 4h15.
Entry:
2h40
